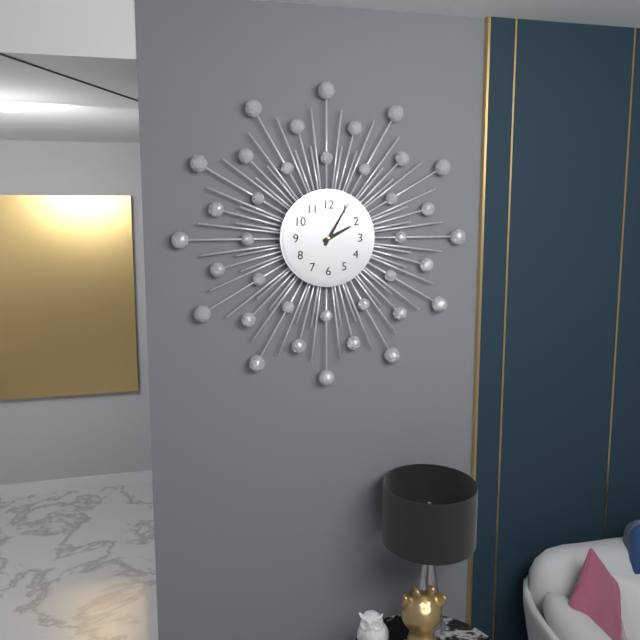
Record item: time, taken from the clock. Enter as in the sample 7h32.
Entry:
2h05
